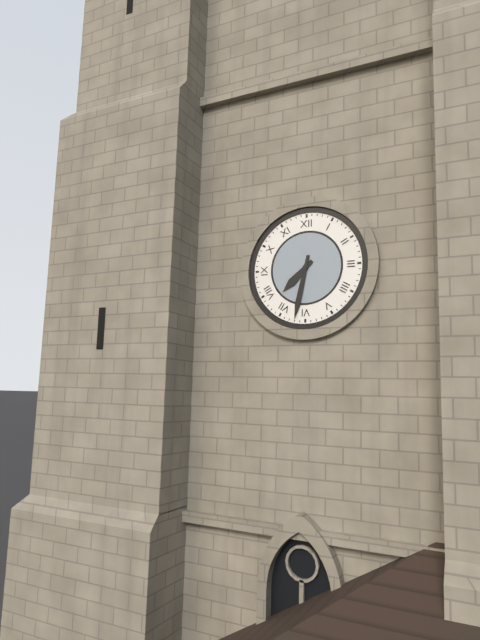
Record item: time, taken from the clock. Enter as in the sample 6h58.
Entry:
7h32
